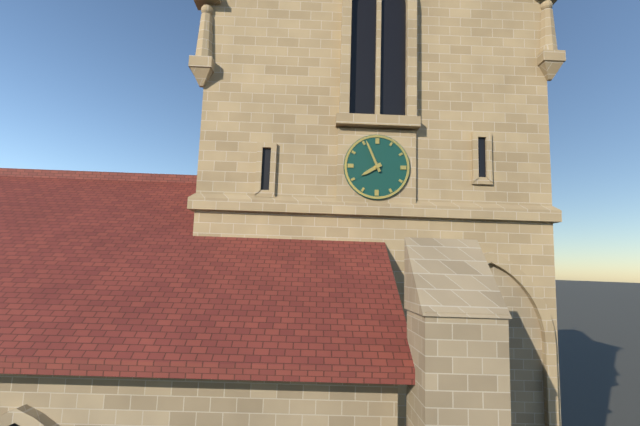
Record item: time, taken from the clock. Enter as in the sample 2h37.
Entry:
7h56
